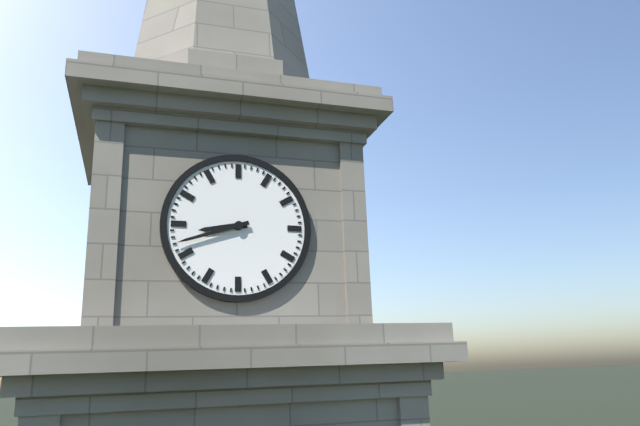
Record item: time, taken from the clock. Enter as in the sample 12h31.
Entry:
8h42
